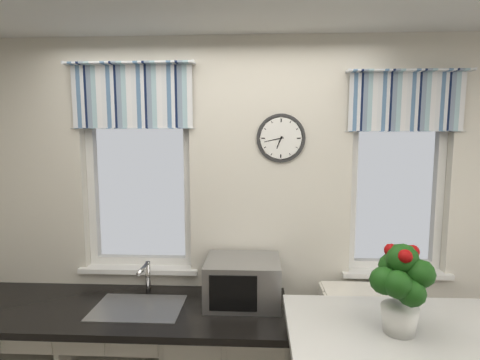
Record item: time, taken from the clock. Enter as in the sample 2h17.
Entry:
6h43
